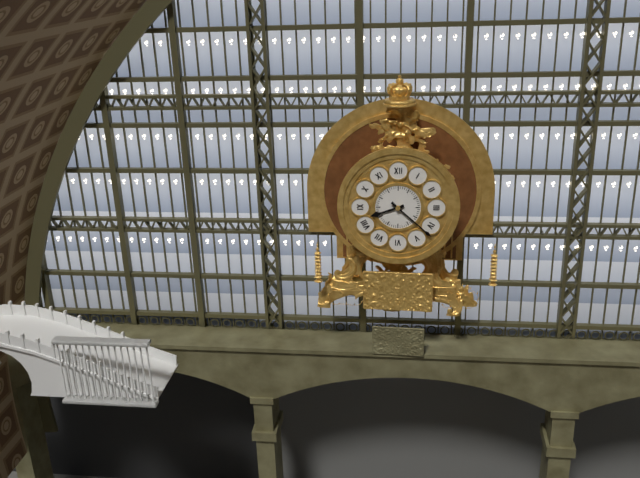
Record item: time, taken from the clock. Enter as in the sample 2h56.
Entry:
8h22
